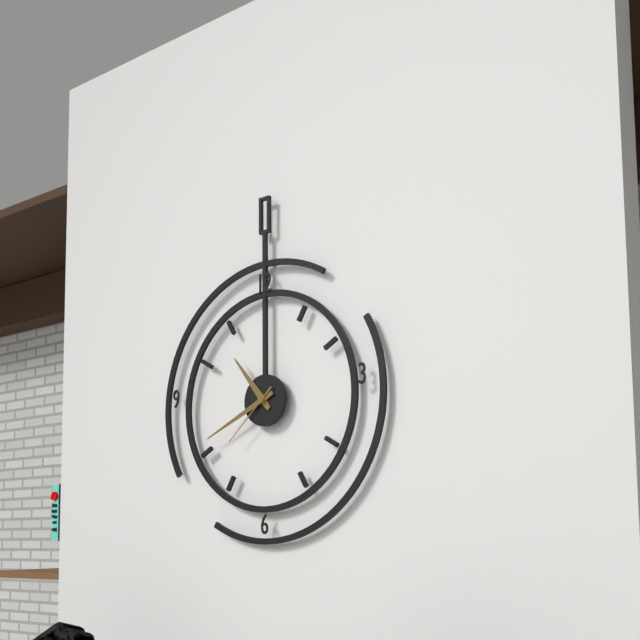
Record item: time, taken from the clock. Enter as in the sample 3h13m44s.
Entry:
10h41m38s
